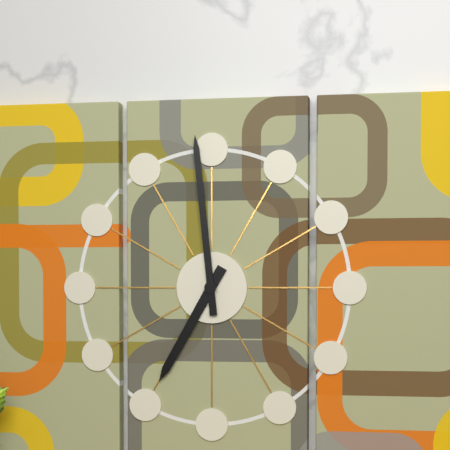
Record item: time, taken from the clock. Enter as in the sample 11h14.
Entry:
6h59
